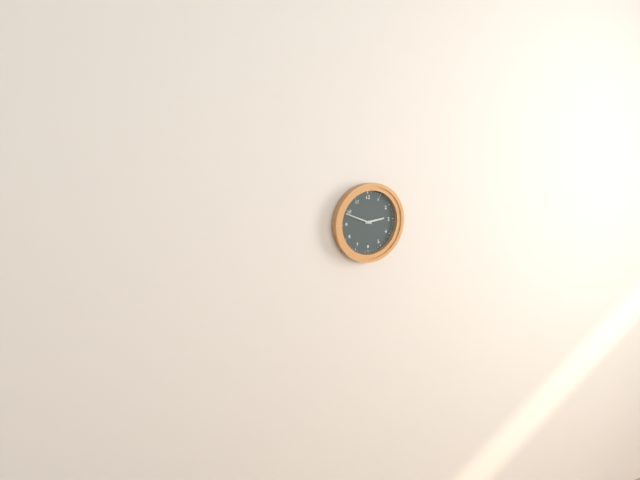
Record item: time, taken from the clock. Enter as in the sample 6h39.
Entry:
2h49
